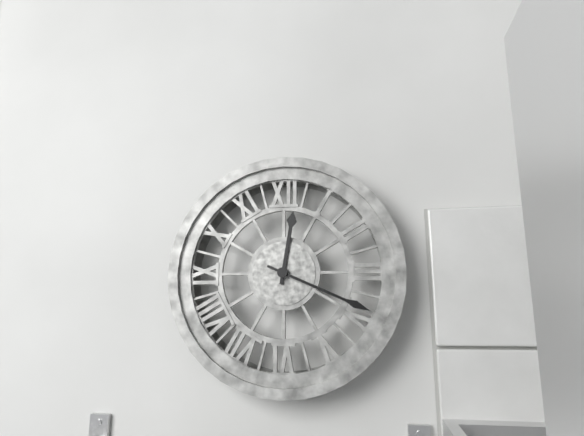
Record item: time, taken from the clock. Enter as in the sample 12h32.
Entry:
12h19
